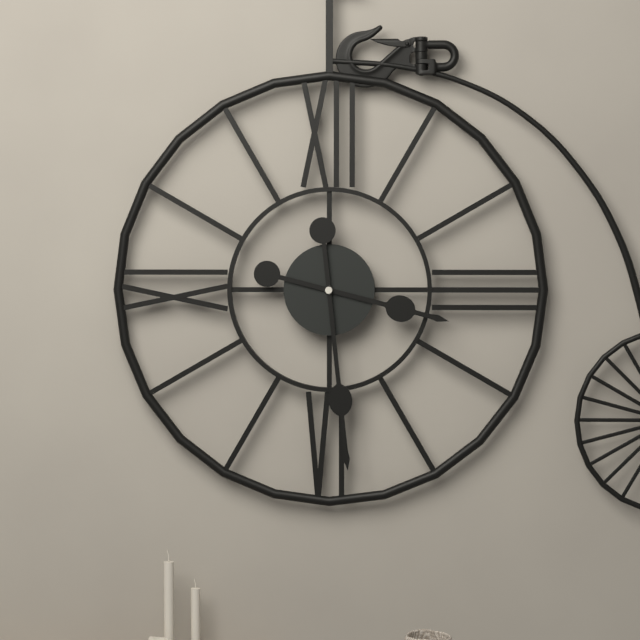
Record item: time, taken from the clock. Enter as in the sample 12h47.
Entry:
3h29
